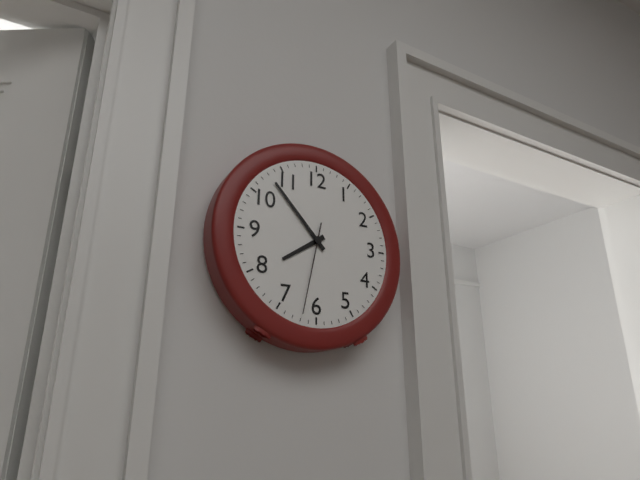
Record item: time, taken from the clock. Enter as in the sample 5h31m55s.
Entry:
7h53m32s
